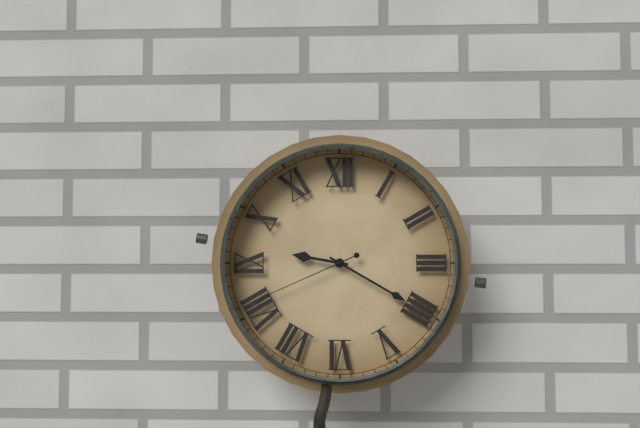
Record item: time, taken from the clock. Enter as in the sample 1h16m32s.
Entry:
9h20m41s
